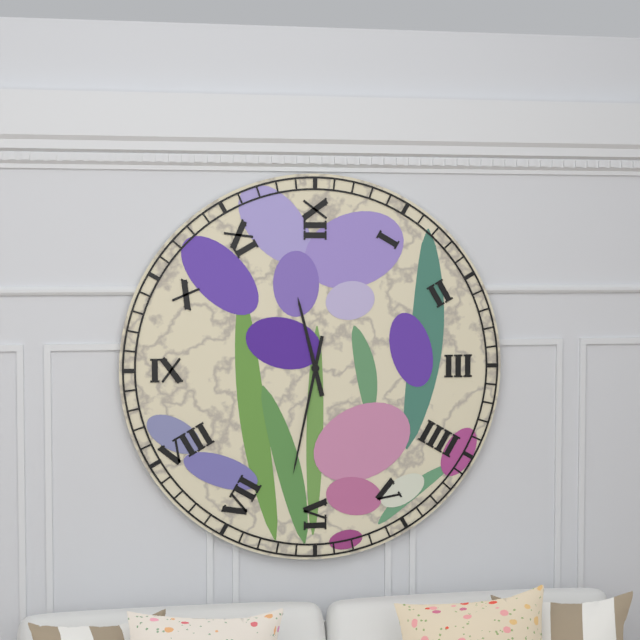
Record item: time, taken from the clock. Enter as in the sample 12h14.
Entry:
11h32
